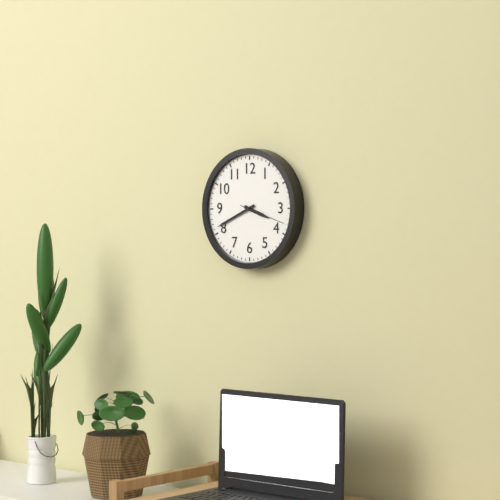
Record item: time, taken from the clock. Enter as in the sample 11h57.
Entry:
3h41
